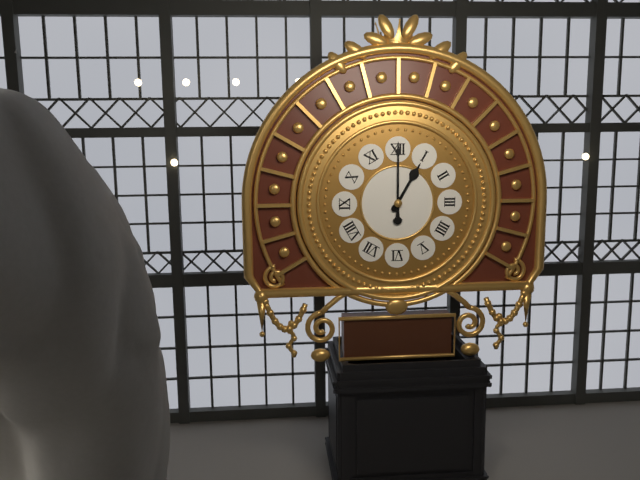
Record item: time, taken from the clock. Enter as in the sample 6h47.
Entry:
1h00
